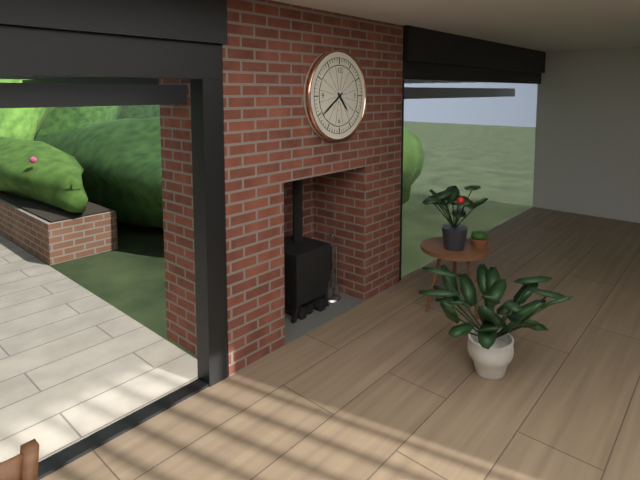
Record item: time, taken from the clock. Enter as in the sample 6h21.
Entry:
4h39
